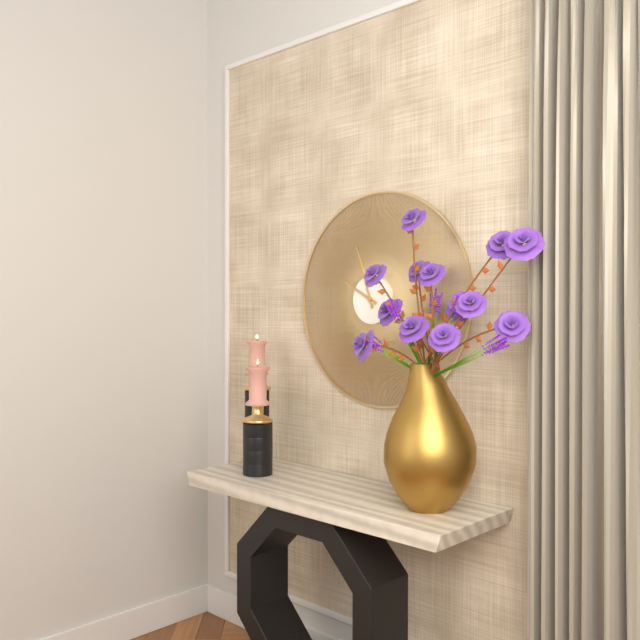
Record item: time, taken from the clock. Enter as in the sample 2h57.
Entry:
9h57
